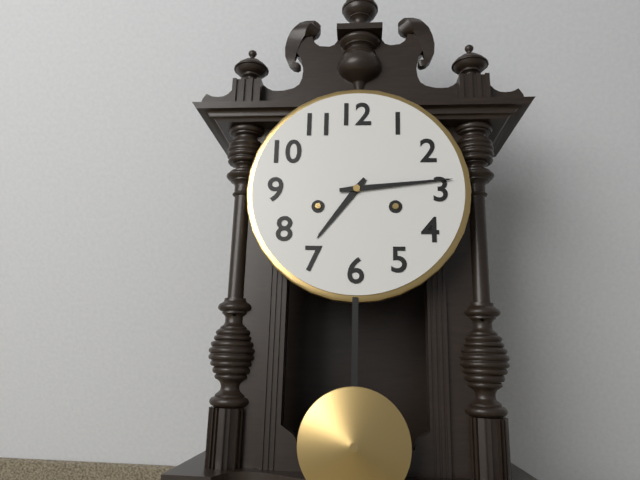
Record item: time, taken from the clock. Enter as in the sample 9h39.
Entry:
7h14
